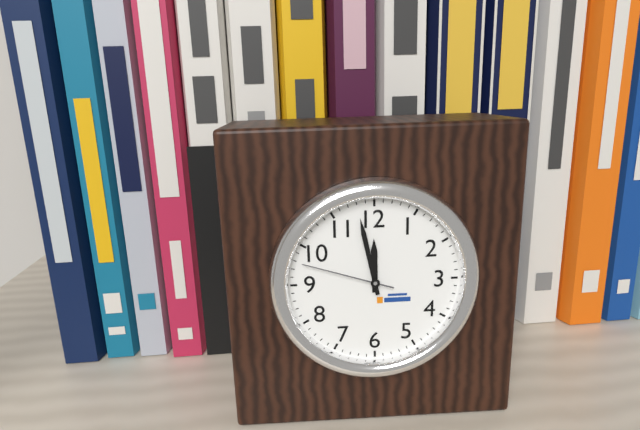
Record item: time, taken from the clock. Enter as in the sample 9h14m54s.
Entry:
11h58m48s
